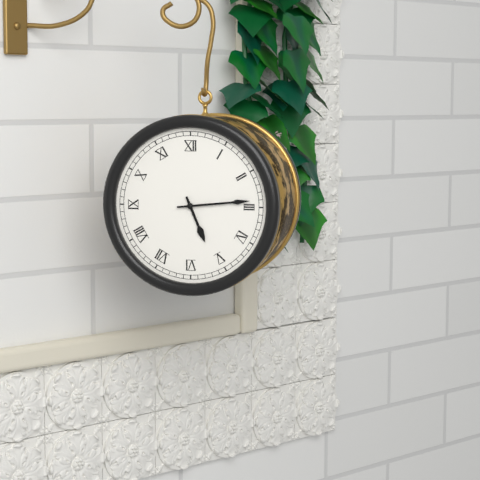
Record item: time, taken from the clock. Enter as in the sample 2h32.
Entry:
5h14
